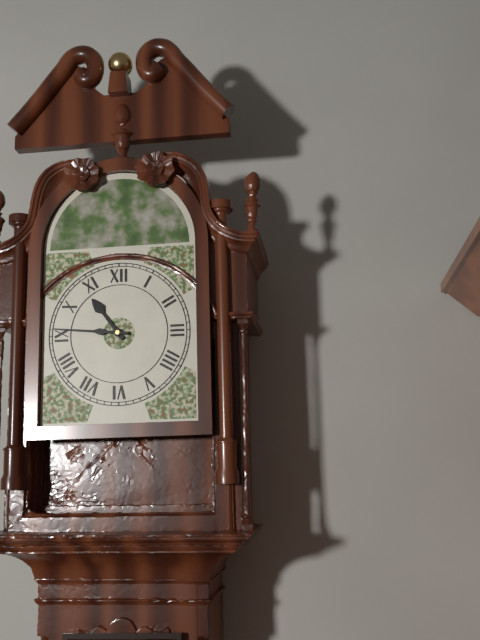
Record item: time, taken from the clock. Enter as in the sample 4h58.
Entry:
10h46
